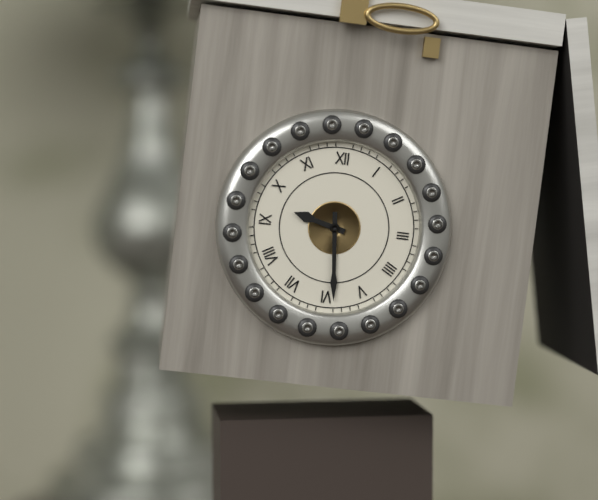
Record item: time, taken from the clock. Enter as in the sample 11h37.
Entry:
9h29
